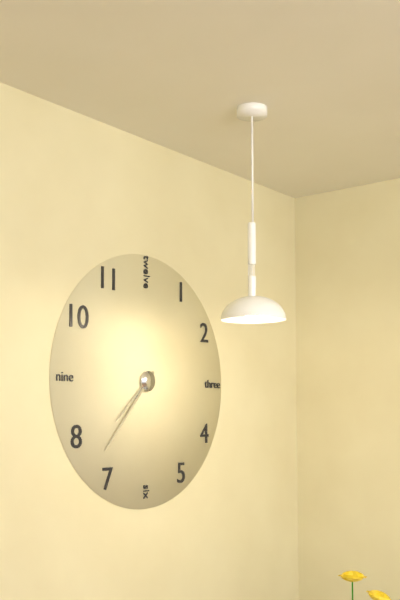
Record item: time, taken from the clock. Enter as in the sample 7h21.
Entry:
7h37
